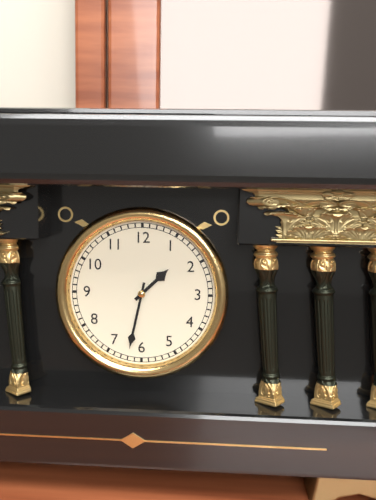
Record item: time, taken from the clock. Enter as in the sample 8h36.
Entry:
1h32
